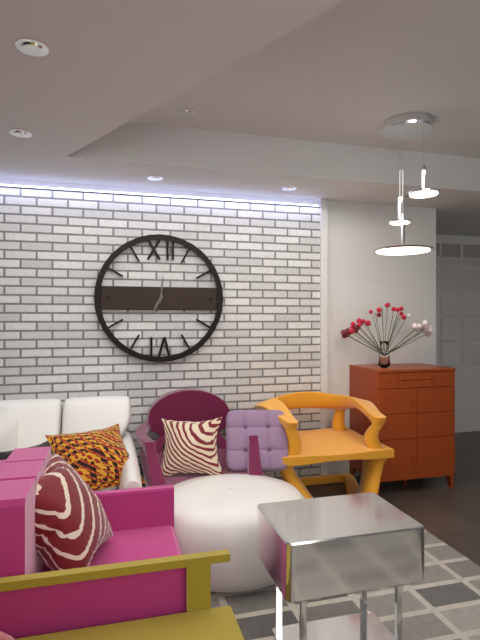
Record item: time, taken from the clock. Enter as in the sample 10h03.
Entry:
7h01
